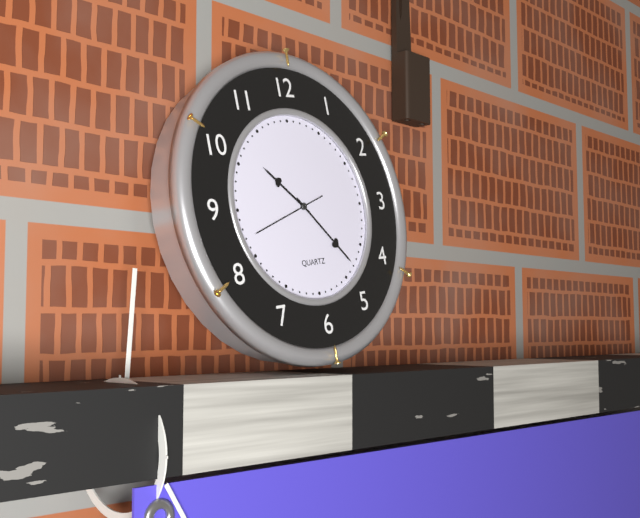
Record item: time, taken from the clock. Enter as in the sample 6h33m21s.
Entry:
10h23m42s
